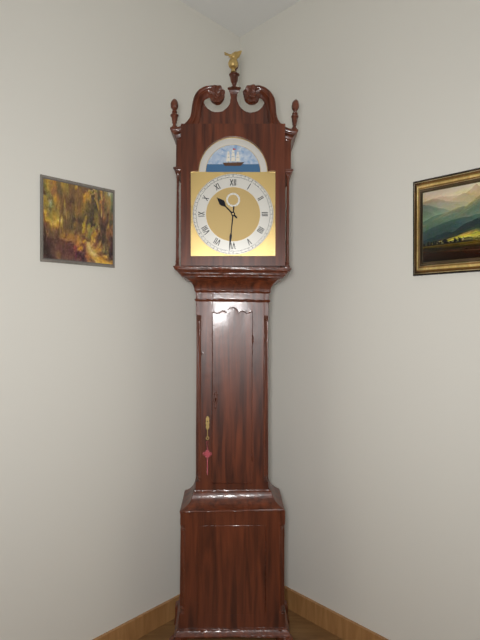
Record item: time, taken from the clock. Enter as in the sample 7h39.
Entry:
10h31
